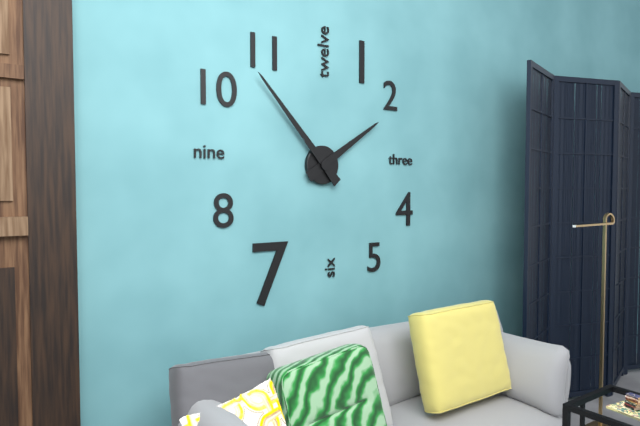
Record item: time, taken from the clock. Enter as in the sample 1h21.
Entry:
1h53
